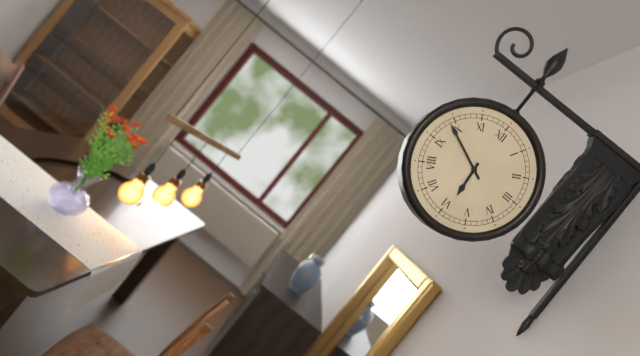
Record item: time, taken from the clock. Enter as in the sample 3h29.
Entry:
5h49
